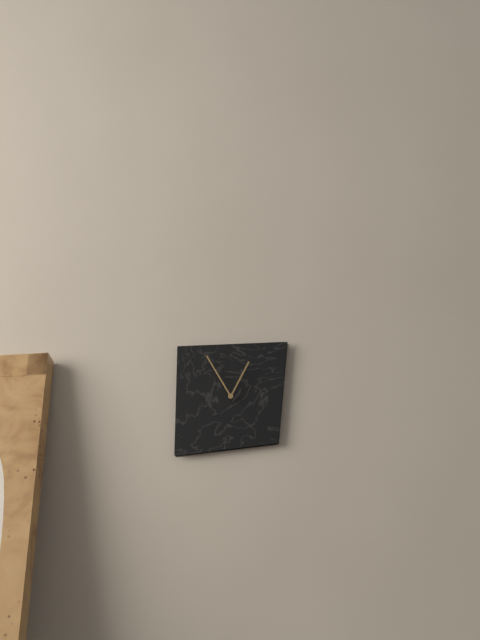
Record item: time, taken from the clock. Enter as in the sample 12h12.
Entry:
12h55
